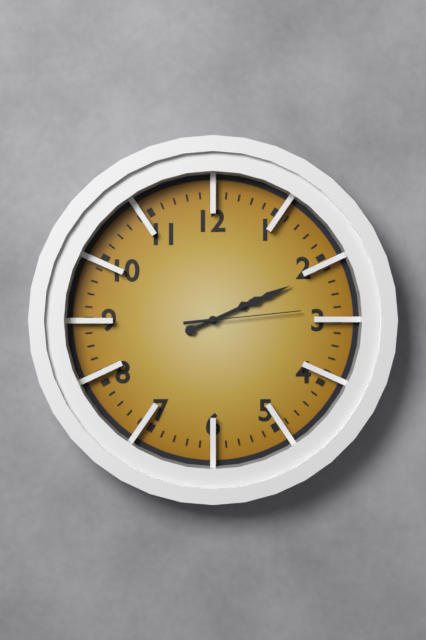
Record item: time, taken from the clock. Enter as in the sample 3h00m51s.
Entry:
2h11m14s
